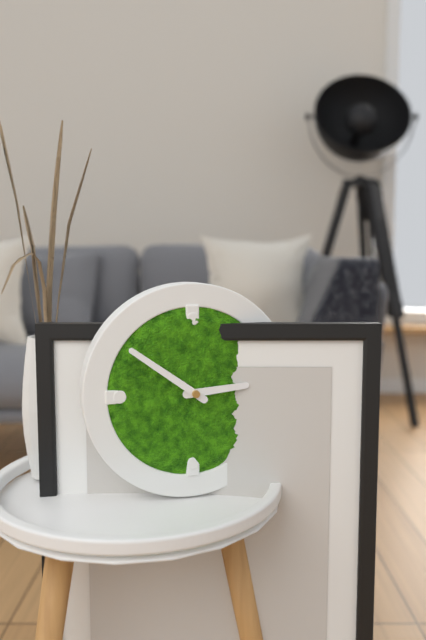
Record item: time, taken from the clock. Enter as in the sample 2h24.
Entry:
2h51
